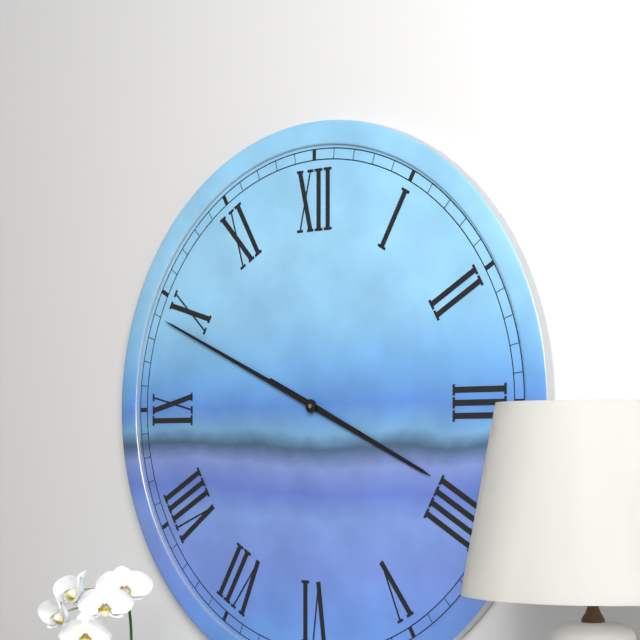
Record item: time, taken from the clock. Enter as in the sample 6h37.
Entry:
3h49
